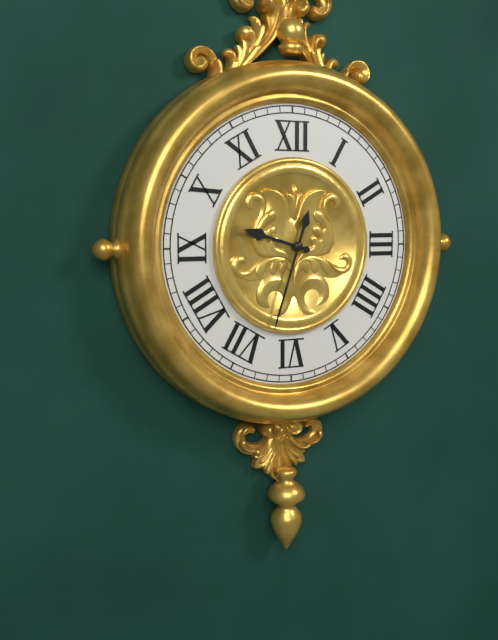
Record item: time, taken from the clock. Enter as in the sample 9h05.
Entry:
9h33
